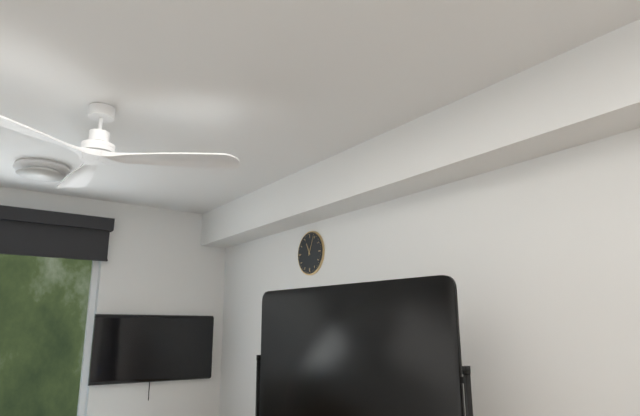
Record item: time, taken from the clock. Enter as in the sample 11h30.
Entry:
11h04
